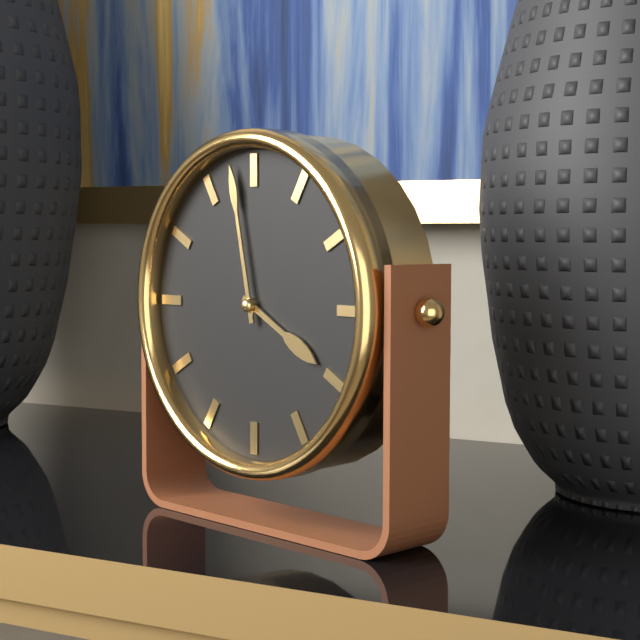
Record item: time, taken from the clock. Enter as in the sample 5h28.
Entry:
3h58
